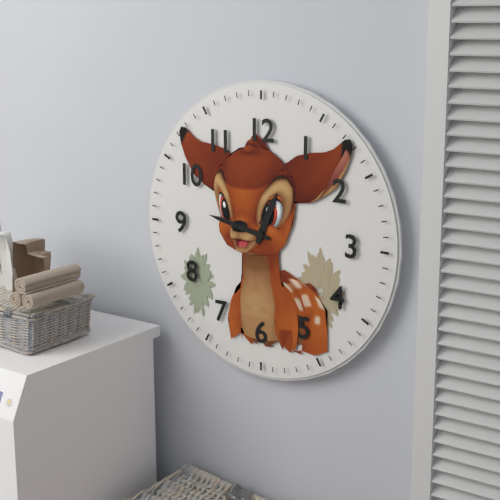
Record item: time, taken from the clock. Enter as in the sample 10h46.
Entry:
12h47
